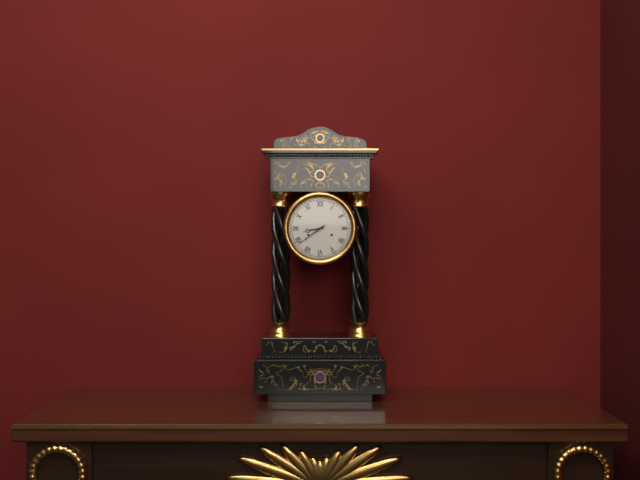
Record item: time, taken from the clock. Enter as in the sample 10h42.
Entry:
8h39
